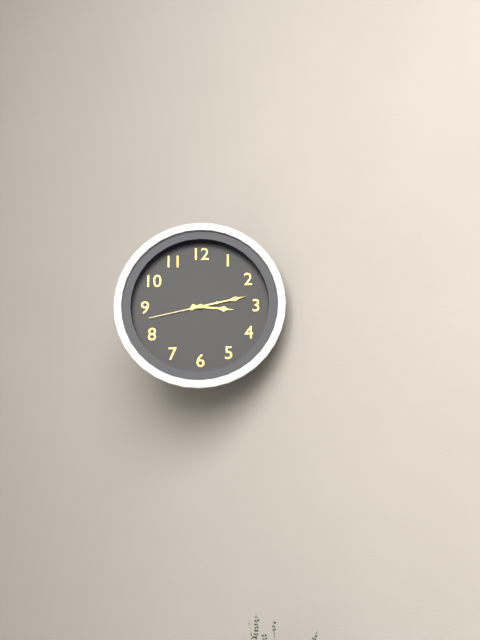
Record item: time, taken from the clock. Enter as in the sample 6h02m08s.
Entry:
3h13m43s
